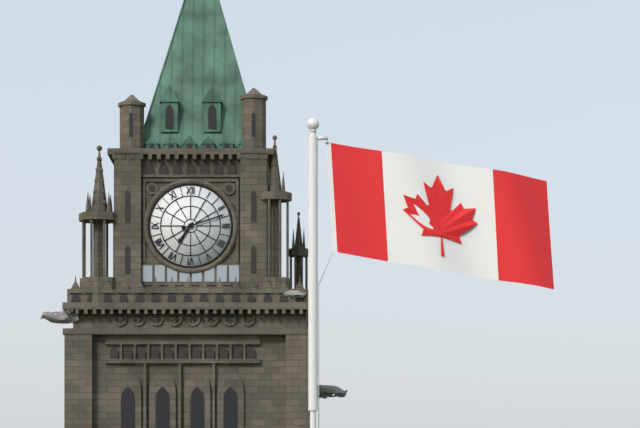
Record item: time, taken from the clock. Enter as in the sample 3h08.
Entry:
7h12
